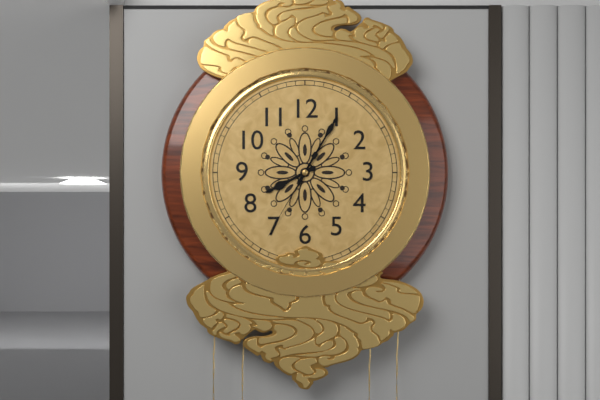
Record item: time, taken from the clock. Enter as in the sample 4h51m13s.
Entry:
8h05m35s
